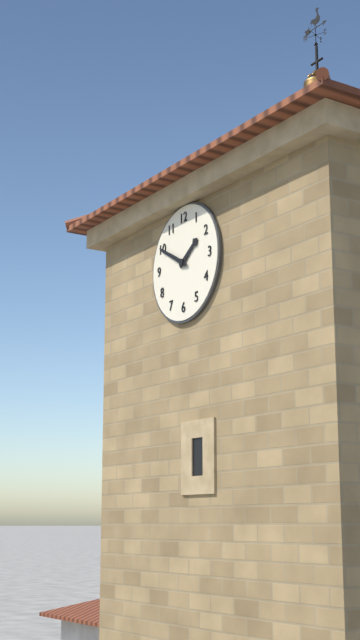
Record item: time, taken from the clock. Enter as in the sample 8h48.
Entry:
1h50
